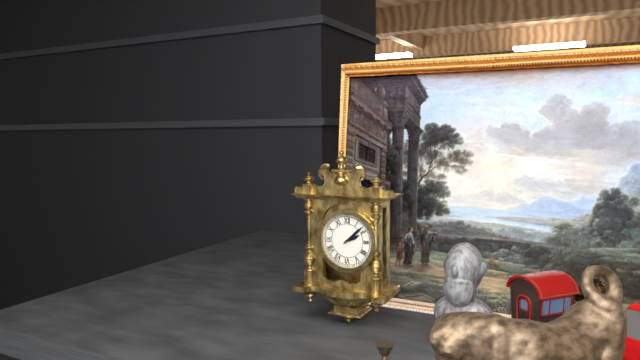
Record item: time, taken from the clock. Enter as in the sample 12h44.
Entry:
2h08
